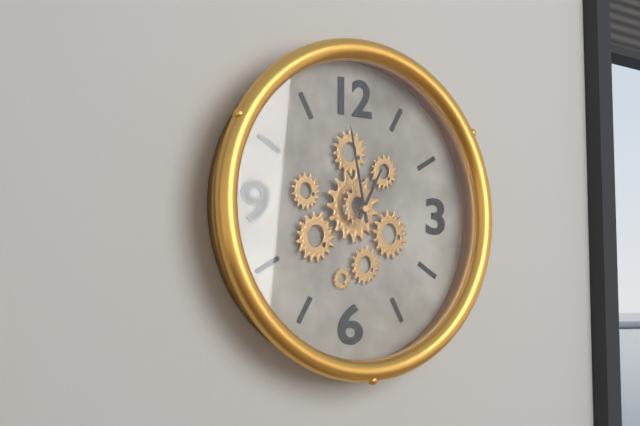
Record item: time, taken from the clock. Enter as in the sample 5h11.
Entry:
12h58
